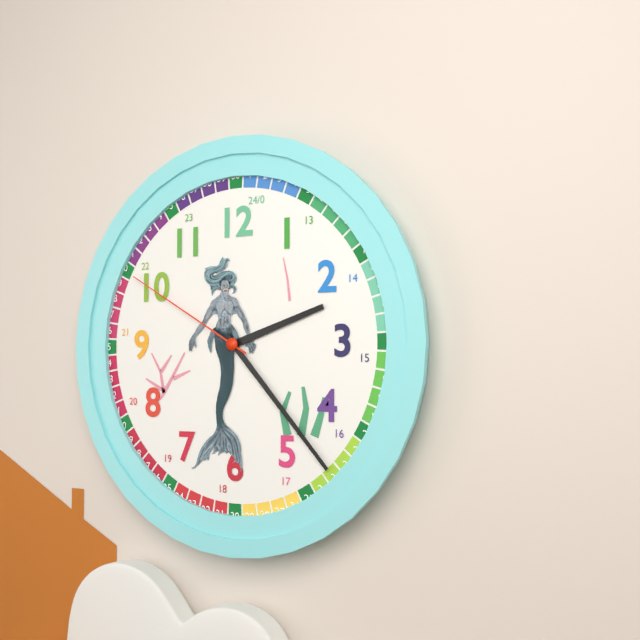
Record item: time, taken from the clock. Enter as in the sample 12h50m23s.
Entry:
2h23m50s
